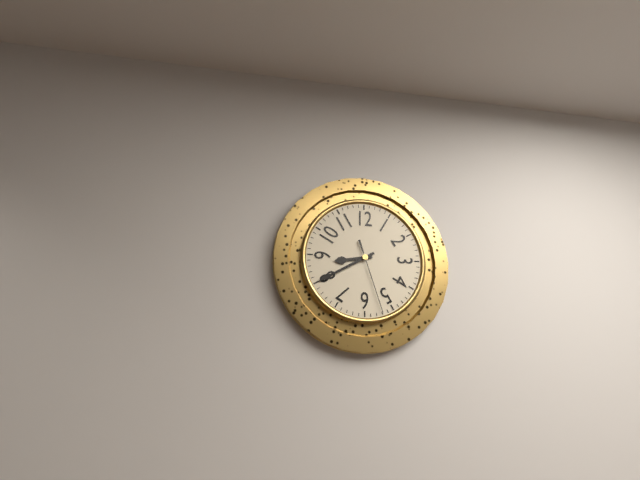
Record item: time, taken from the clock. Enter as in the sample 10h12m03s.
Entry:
8h40m27s
